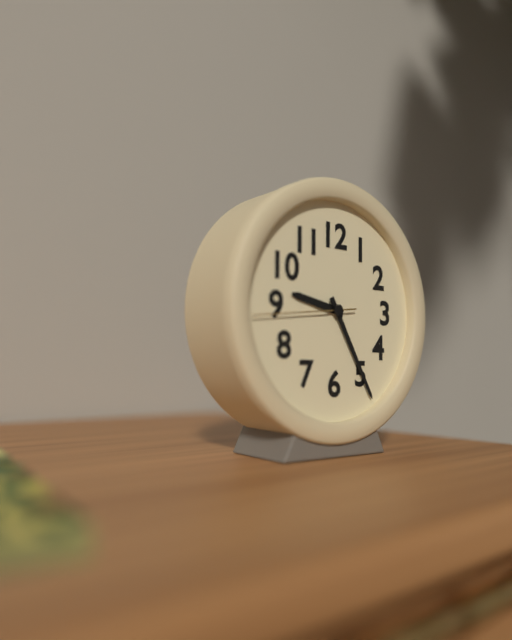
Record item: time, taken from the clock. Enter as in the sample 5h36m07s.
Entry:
9h25m44s
